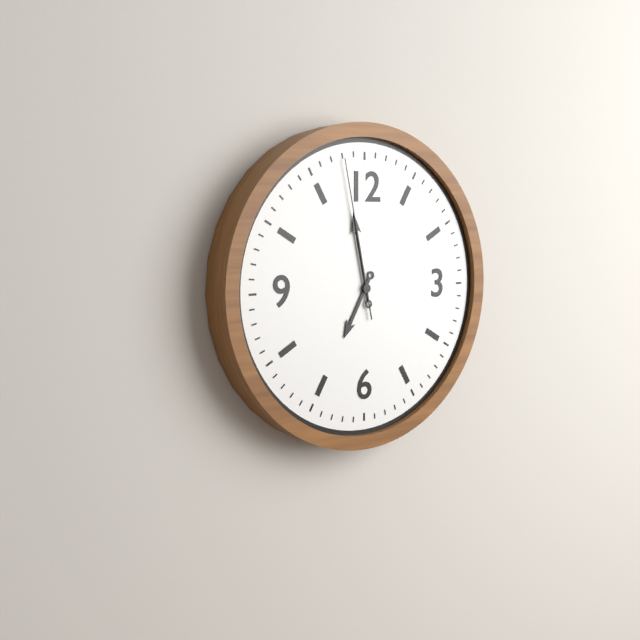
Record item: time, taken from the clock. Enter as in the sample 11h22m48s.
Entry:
6h58m58s
